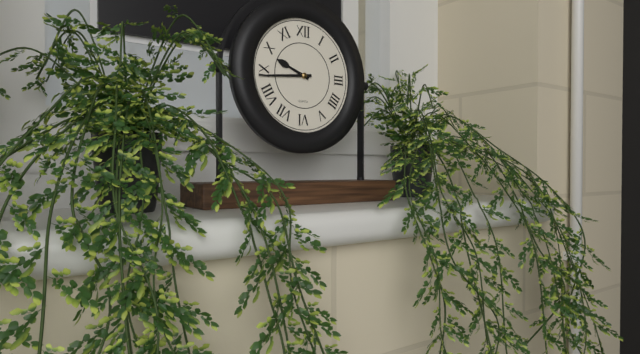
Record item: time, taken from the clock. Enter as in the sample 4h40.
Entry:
9h44
